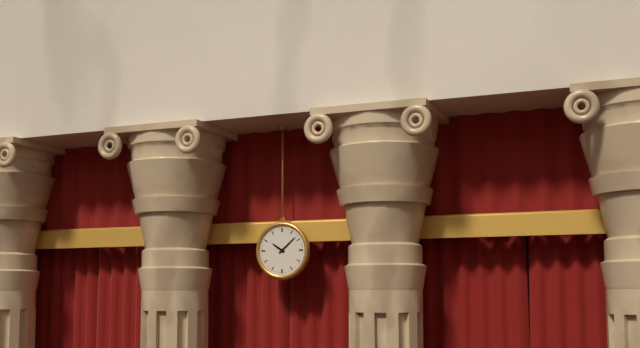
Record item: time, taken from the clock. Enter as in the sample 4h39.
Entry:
10h08
